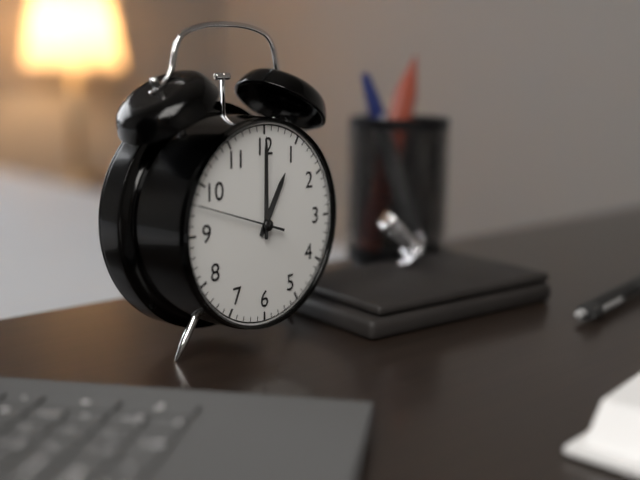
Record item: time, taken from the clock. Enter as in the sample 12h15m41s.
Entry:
1h00m48s
